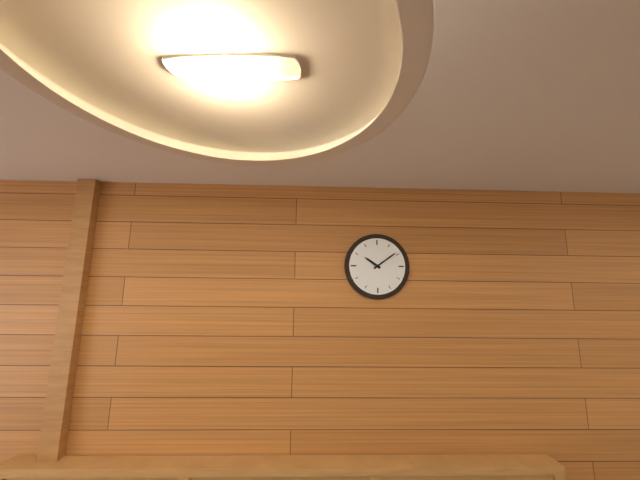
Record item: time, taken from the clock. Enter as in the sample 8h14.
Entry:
10h09
